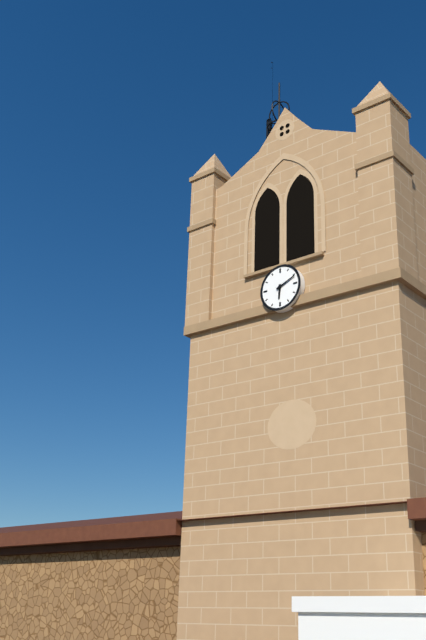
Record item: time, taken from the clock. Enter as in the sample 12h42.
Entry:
6h11
